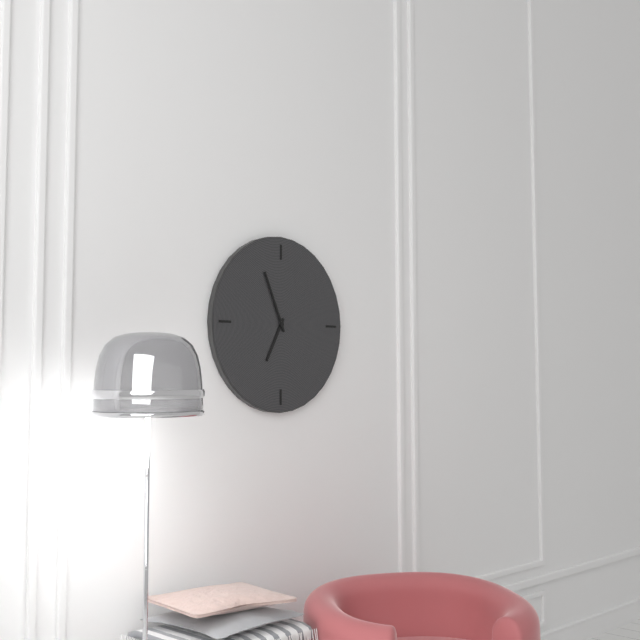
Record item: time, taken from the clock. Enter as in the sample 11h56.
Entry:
6h56
